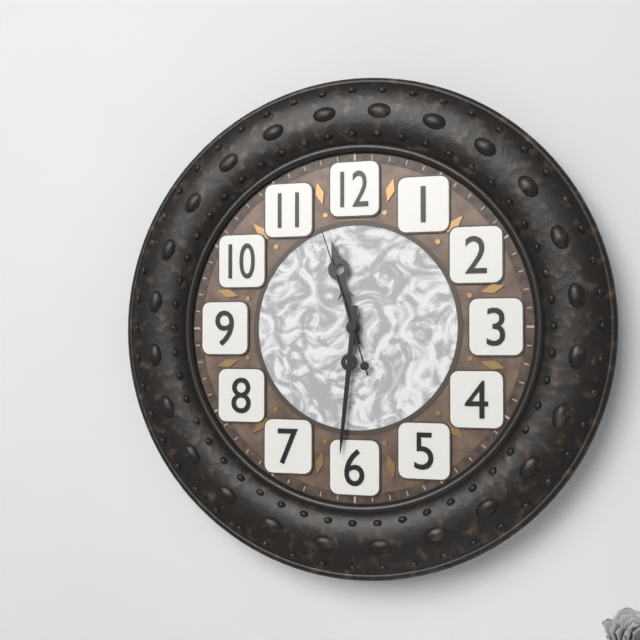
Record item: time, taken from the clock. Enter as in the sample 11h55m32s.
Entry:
11h31m57s
